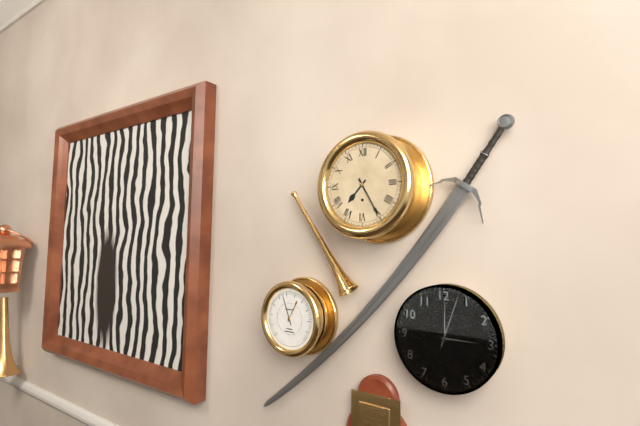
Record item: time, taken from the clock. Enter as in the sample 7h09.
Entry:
7h25
